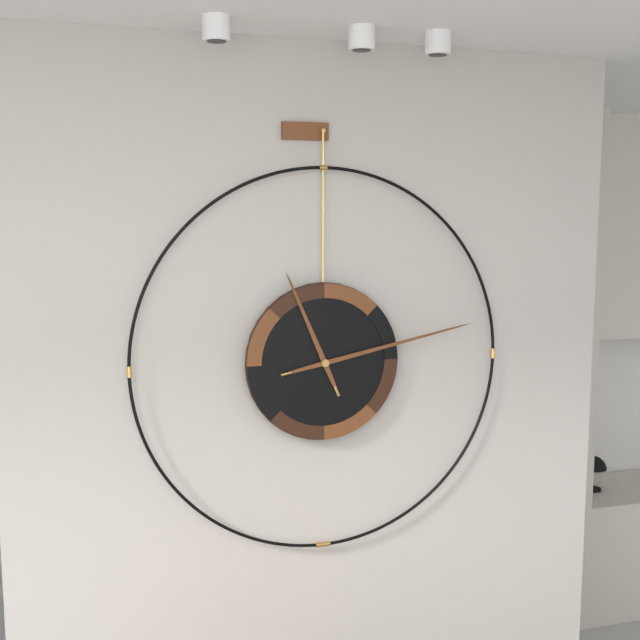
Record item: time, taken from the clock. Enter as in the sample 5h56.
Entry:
11h13
